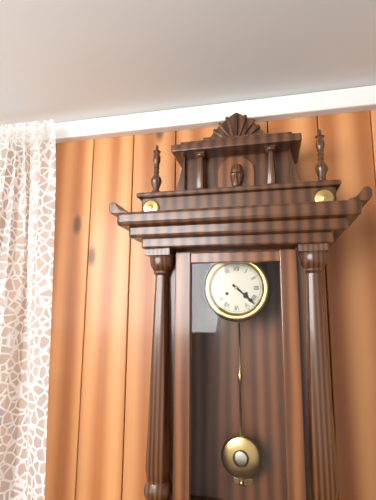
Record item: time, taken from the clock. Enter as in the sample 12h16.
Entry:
4h22
